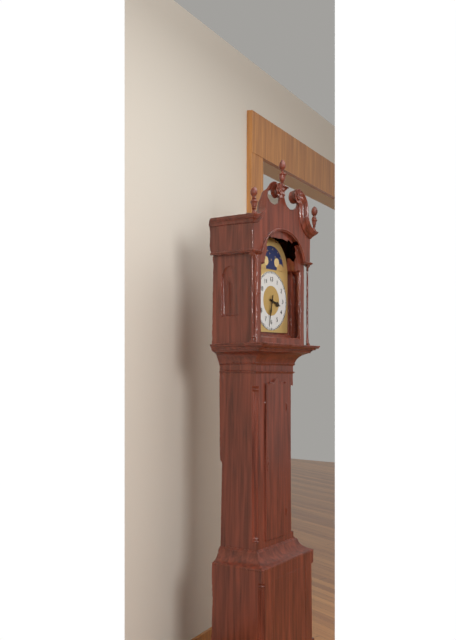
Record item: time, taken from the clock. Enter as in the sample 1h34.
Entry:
3h32
